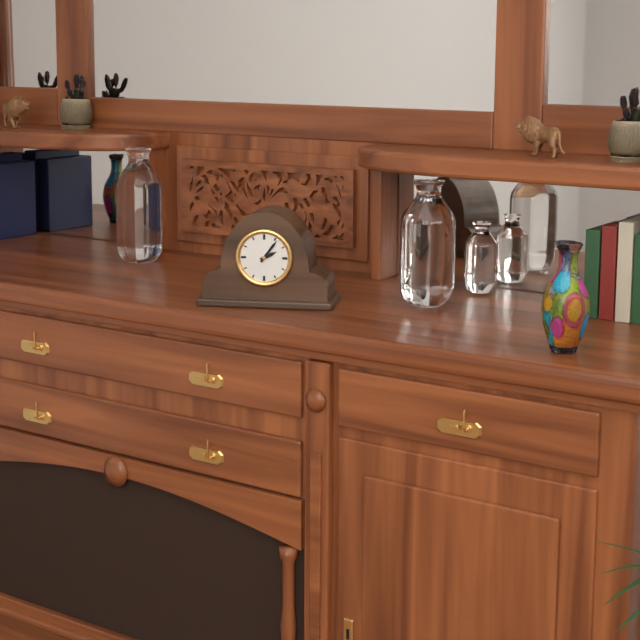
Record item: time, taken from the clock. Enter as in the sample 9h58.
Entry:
2h06
